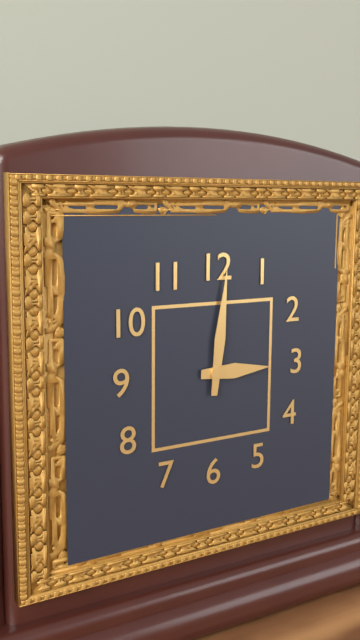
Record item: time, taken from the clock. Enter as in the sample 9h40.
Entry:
3h01
